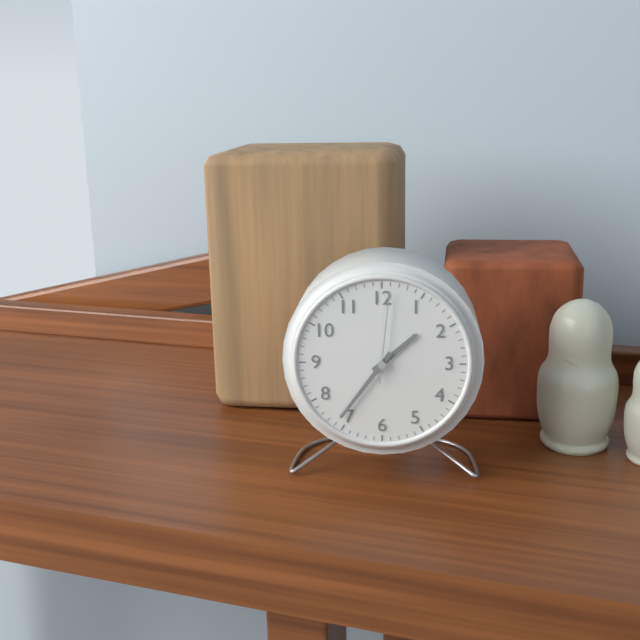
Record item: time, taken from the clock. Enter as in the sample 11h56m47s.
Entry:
1h36m01s
